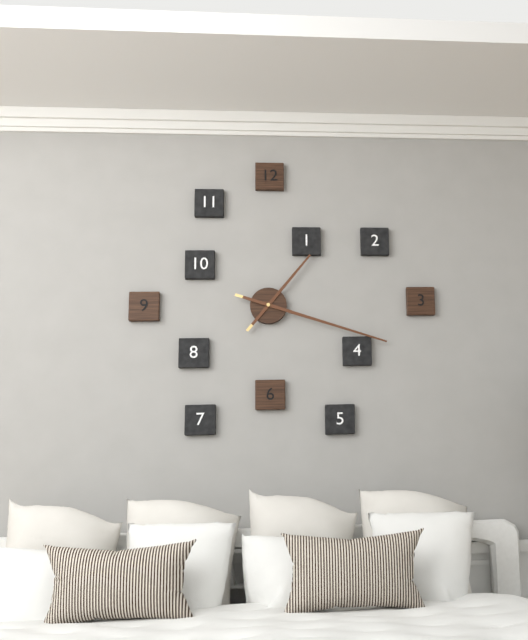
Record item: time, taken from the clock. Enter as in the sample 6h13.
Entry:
1h18
